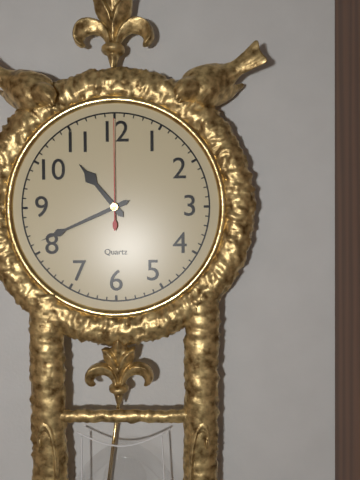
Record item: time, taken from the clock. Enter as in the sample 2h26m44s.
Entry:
10h41m00s
